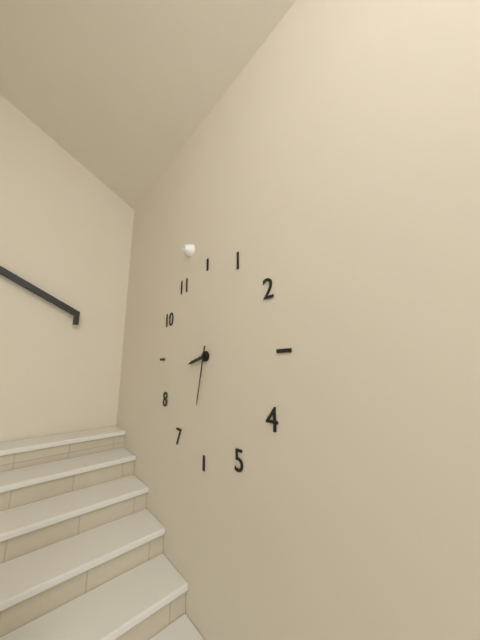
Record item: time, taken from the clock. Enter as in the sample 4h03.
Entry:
8h32
